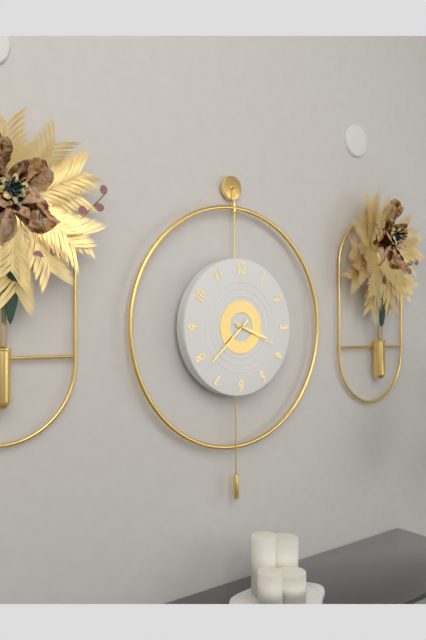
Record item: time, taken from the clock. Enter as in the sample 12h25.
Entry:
3h38
